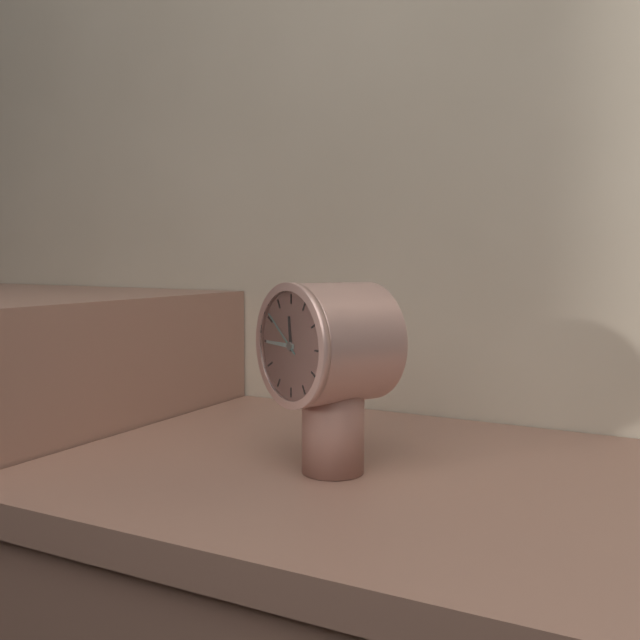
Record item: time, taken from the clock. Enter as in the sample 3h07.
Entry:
11h45
